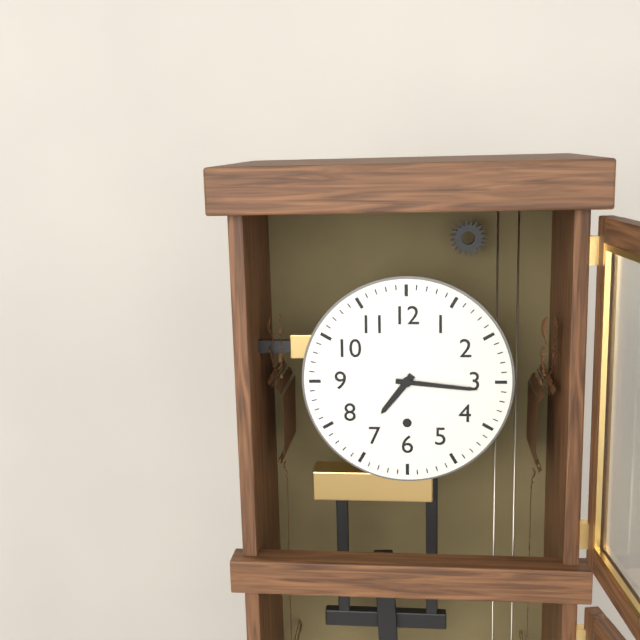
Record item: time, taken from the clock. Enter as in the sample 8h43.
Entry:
7h16
